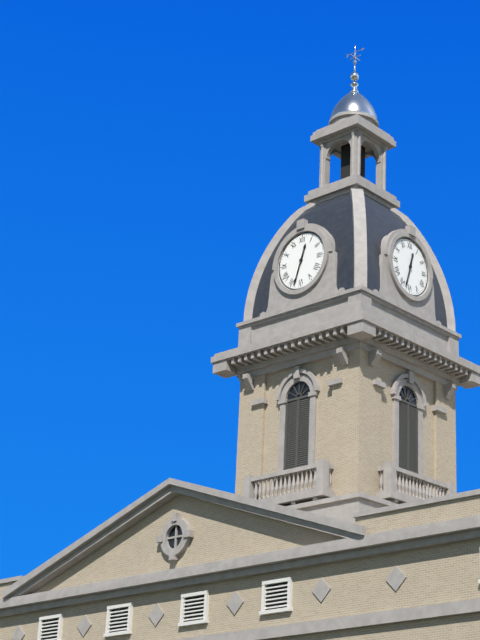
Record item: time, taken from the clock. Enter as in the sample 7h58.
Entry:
12h33
